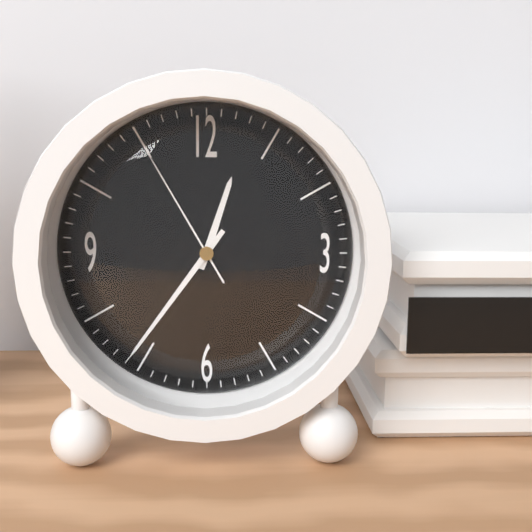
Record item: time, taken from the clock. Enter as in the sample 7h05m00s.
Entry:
12h36m55s
